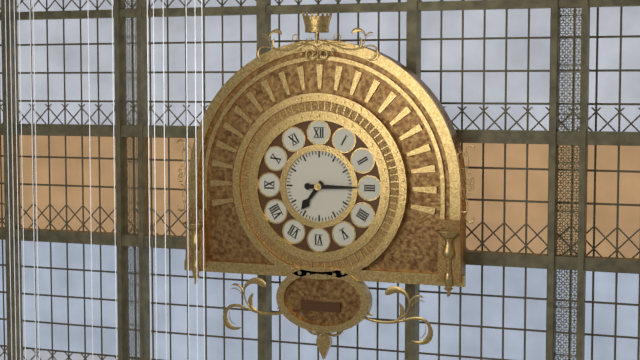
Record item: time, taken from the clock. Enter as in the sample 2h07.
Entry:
7h15
